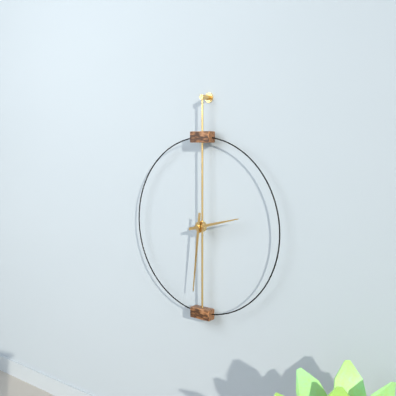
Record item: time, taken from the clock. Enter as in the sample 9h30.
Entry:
2h31
